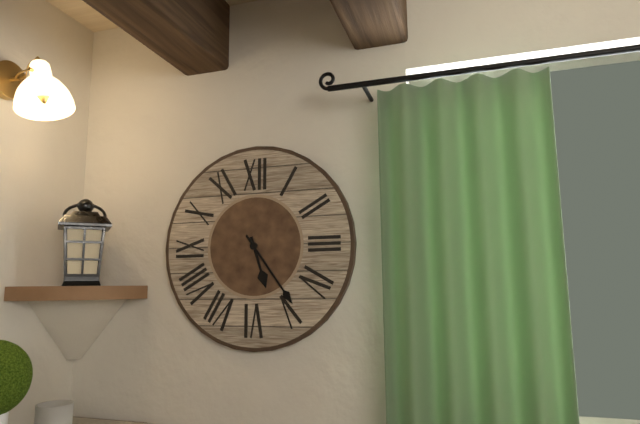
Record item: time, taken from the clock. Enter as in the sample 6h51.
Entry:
5h24
